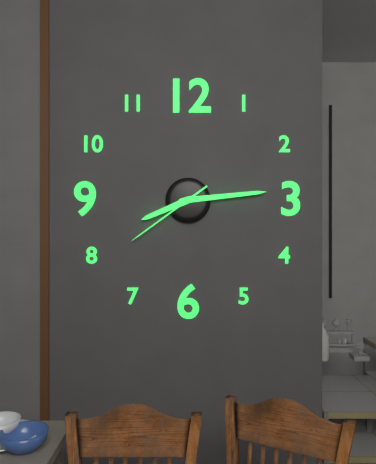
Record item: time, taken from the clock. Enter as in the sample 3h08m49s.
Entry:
8h14m39s
